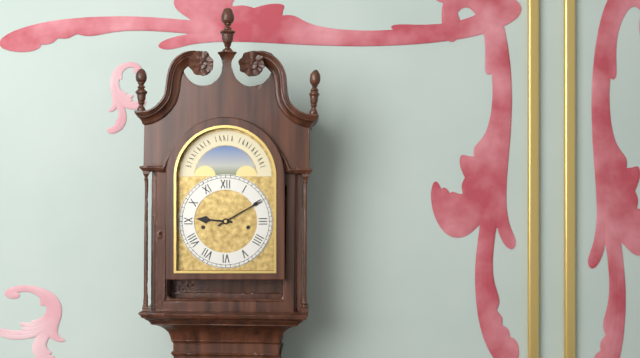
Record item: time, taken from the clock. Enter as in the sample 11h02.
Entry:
9h10
